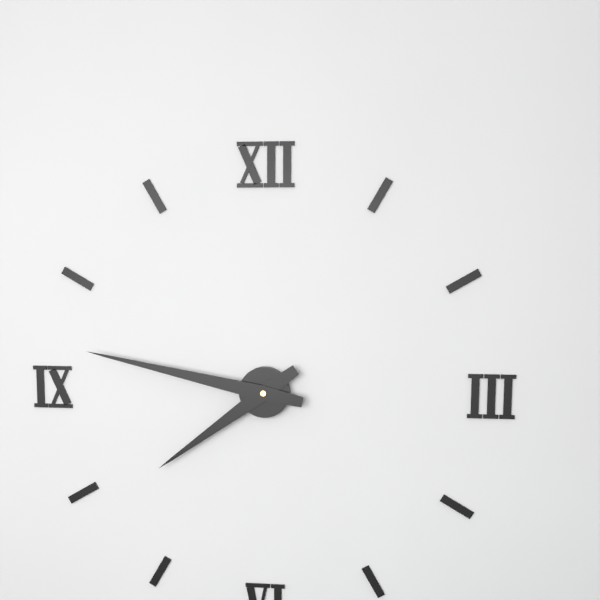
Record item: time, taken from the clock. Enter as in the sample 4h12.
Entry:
7h47
